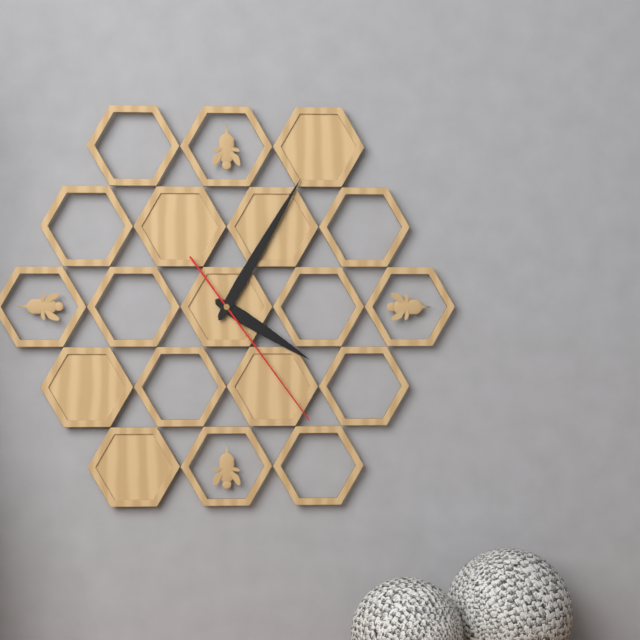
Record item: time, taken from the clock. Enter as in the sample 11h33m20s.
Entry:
4h05m24s
